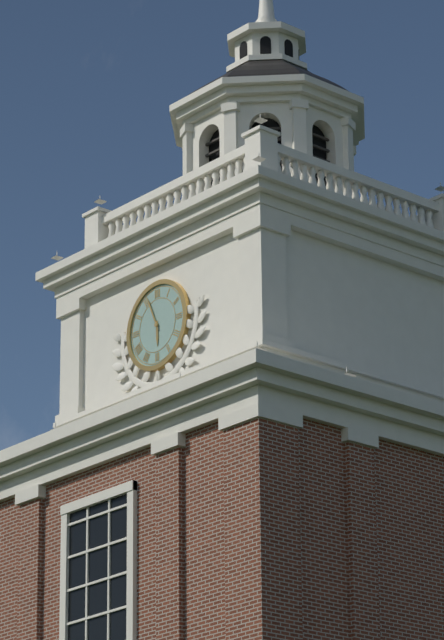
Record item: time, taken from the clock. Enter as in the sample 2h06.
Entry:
5h56
